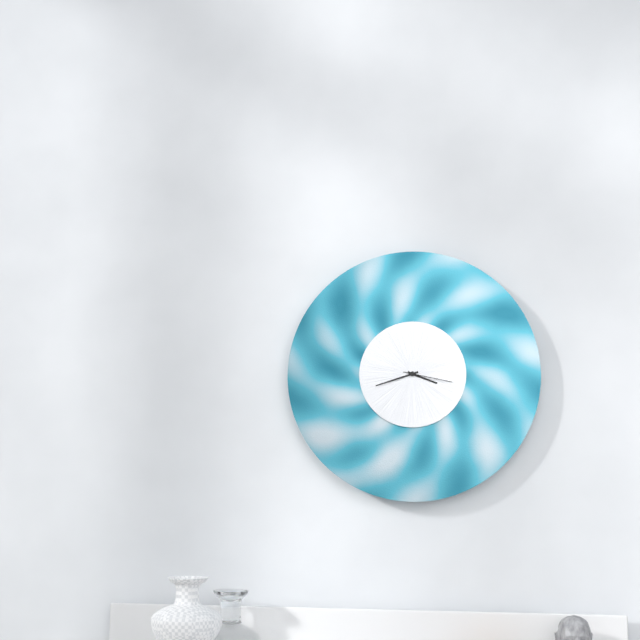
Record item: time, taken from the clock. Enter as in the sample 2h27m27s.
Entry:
3h42m17s
